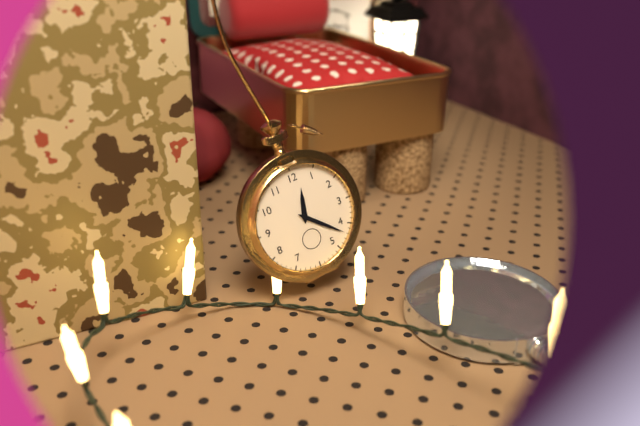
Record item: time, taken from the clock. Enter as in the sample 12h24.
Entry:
12h22
